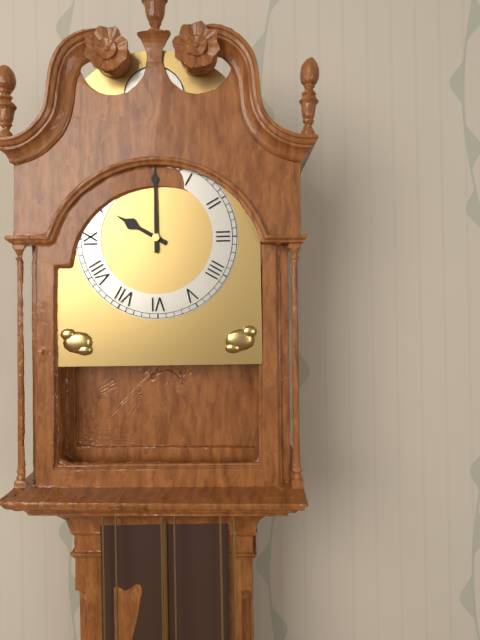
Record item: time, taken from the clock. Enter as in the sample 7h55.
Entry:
10h00
